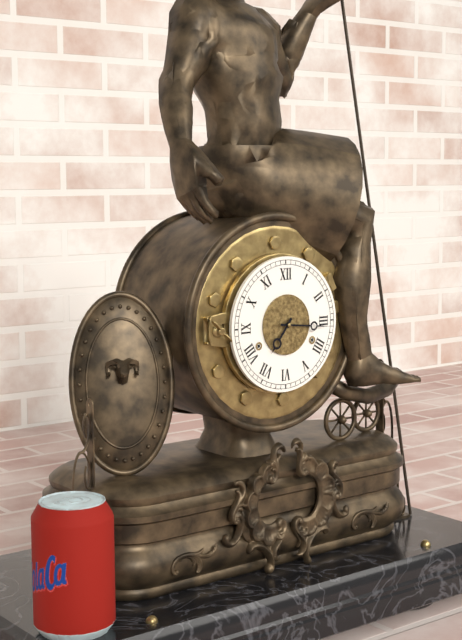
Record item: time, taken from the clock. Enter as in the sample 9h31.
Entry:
7h16
